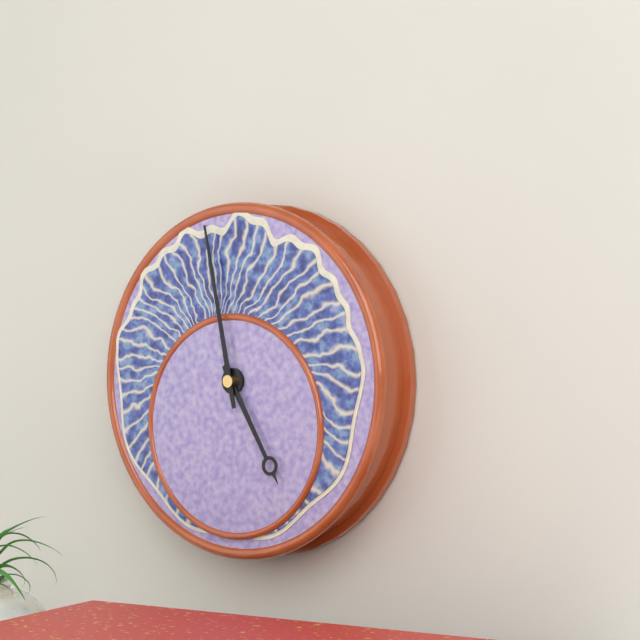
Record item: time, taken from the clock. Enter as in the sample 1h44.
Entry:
4h58
